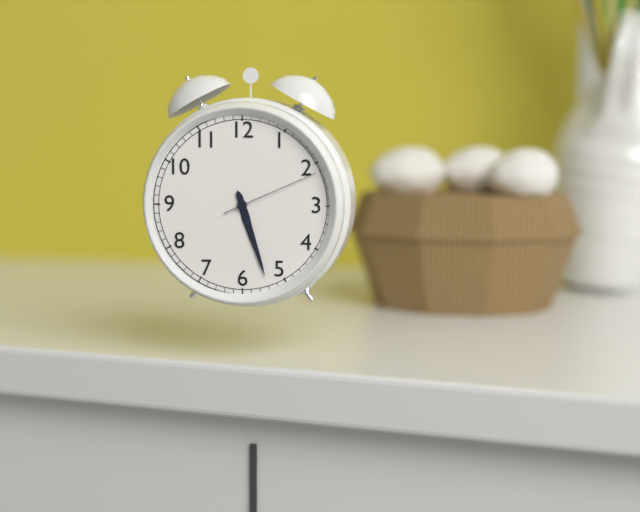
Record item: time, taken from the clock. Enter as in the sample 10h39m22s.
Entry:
5h27m11s
